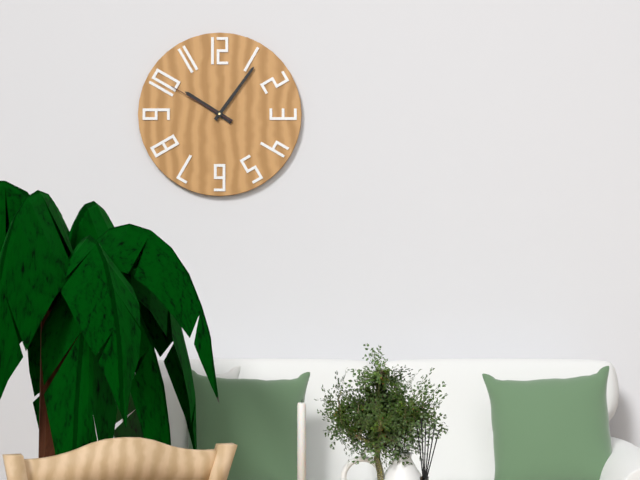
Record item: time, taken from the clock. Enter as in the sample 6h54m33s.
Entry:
10h06m50s
